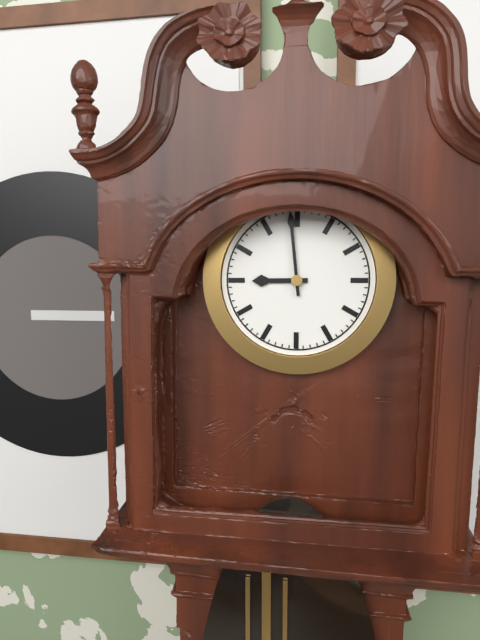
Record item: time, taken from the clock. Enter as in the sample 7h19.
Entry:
8h59
